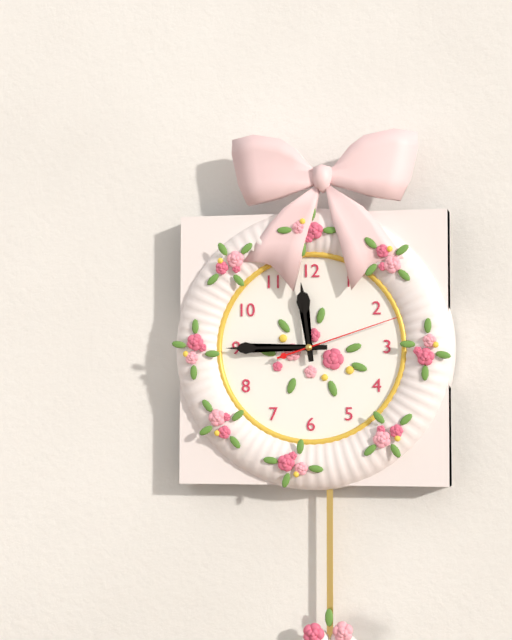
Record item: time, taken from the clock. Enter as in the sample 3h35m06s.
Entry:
11h45m12s
